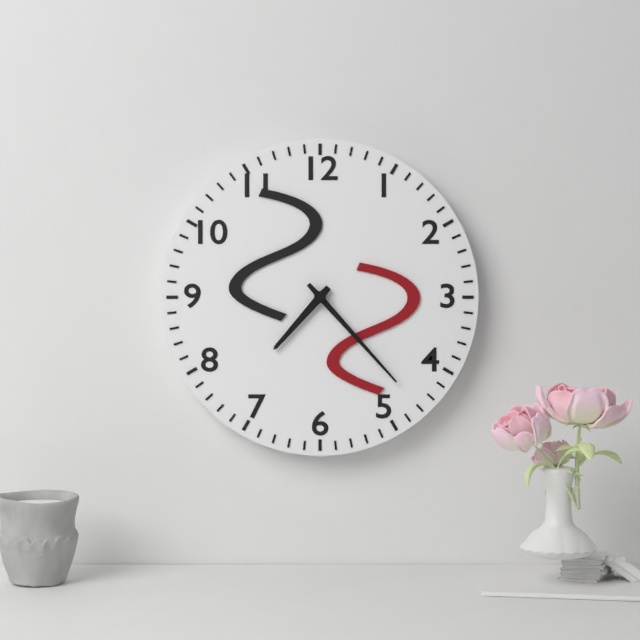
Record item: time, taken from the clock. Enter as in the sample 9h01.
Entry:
7h23
